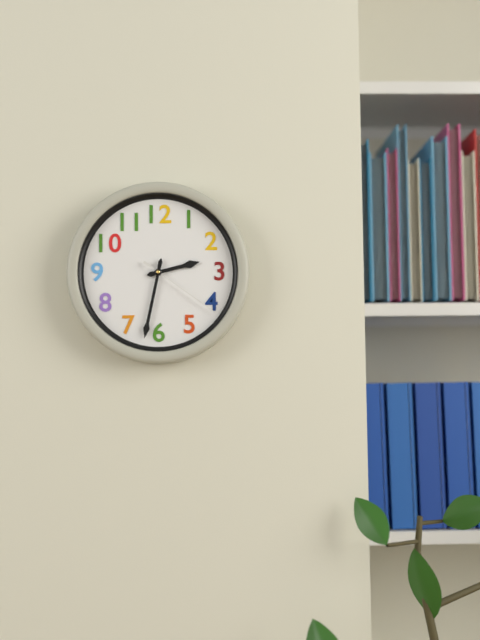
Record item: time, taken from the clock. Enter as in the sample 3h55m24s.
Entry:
2h32m21s
